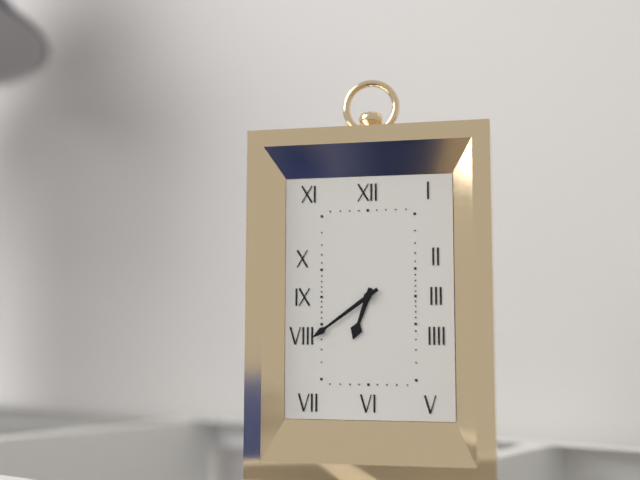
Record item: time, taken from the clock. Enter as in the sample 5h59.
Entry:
6h39
